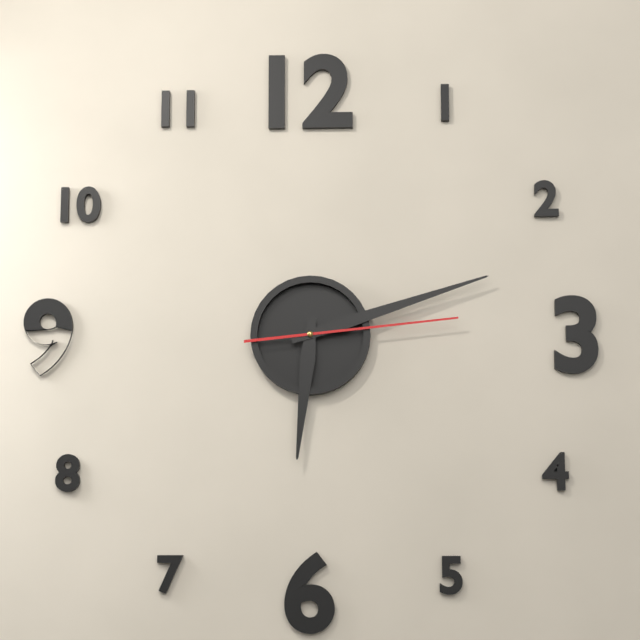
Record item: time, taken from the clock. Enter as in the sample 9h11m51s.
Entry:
6h12m14s
